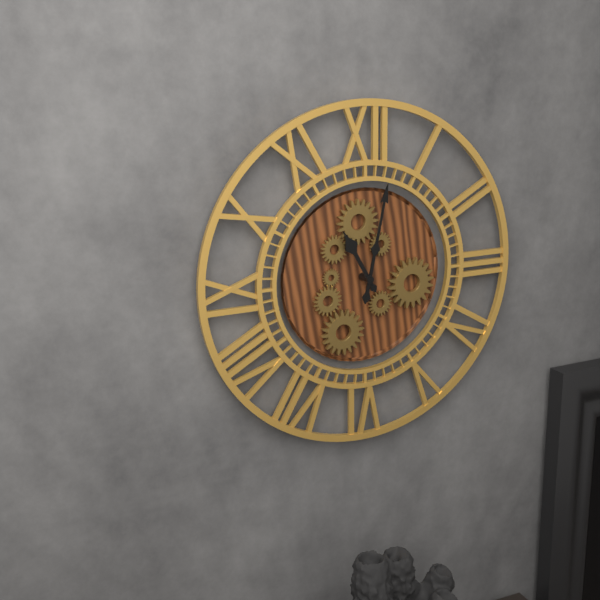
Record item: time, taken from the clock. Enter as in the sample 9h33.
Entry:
11h02
